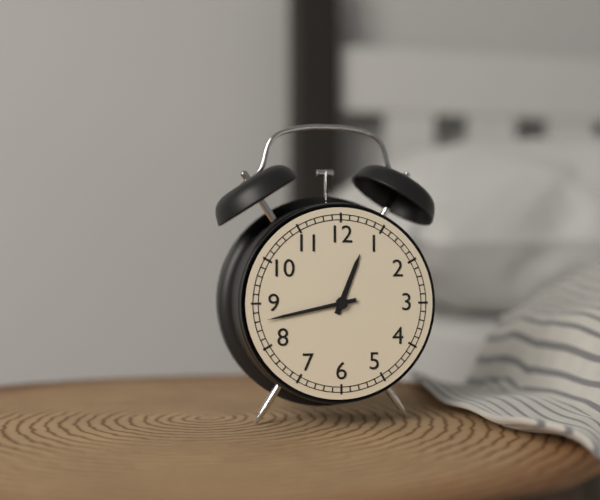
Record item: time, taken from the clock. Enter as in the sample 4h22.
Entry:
12h43
